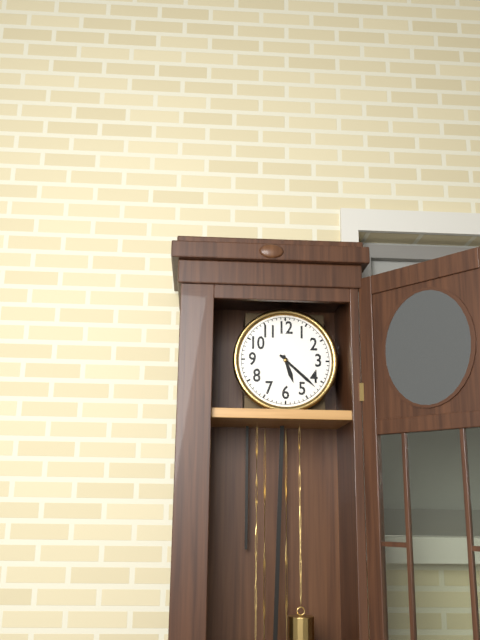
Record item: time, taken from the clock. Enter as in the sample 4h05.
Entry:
5h22
